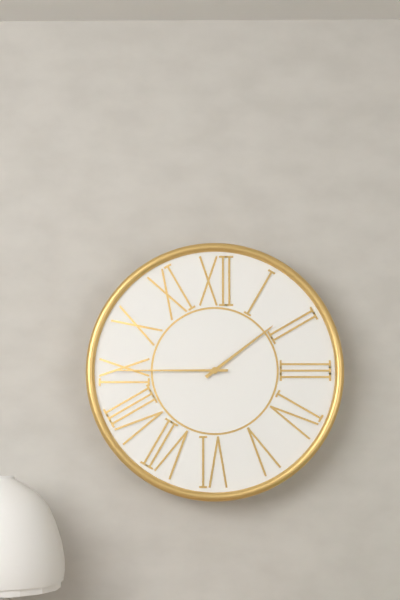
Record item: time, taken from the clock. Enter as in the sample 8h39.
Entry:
1h45
